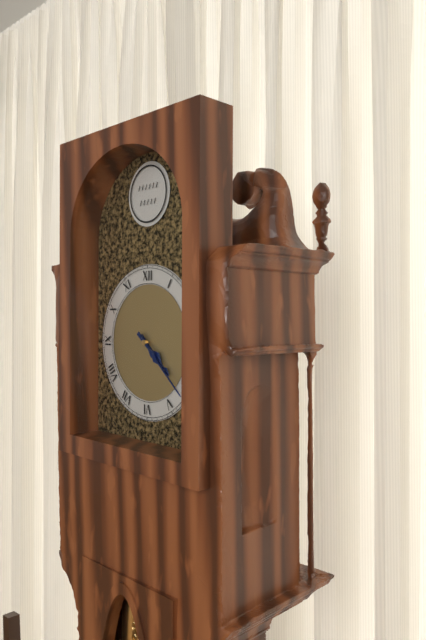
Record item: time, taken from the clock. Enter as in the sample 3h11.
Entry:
4h22
